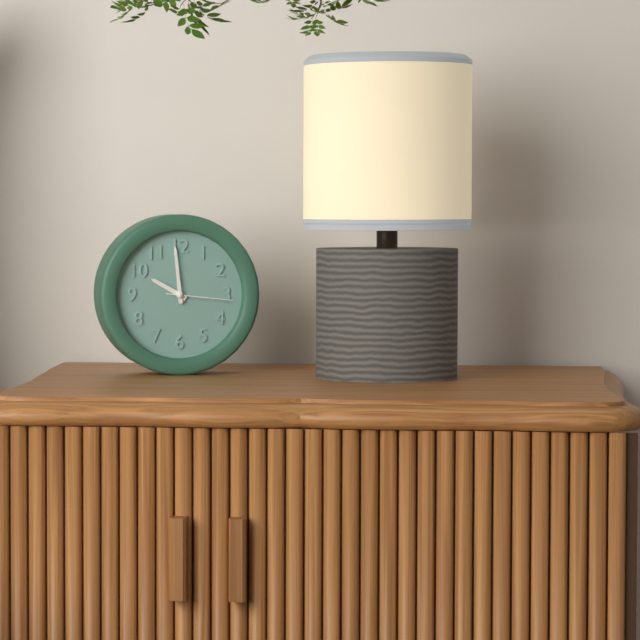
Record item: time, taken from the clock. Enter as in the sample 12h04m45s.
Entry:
9h59m16s
